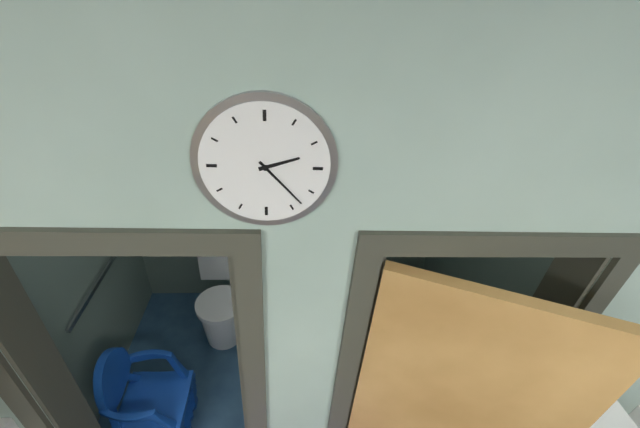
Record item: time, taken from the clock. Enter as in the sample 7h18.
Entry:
2h23
